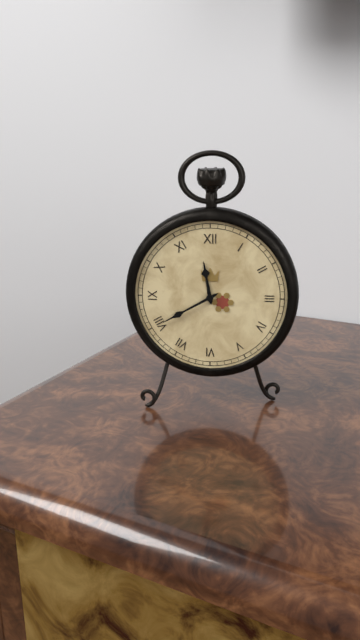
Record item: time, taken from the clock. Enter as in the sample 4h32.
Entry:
11h40
